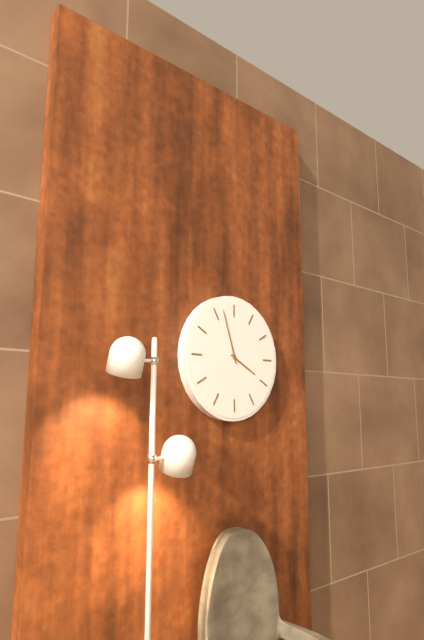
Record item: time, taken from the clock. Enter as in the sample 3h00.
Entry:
3h57
